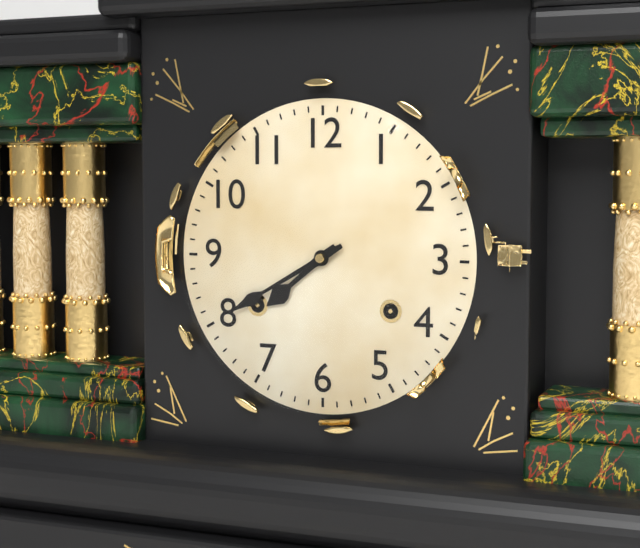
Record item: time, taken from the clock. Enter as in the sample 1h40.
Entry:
7h40
